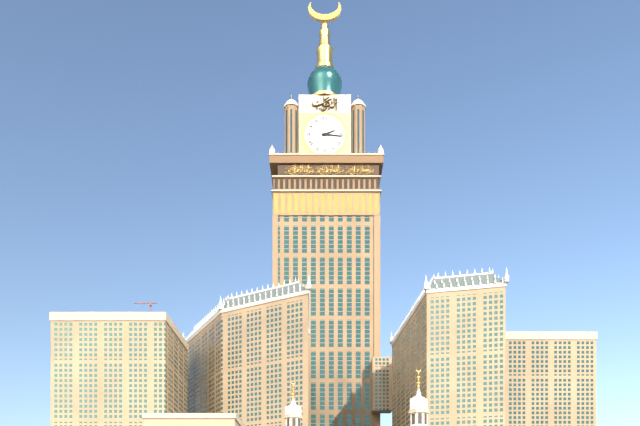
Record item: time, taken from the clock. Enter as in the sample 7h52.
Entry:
2h16
